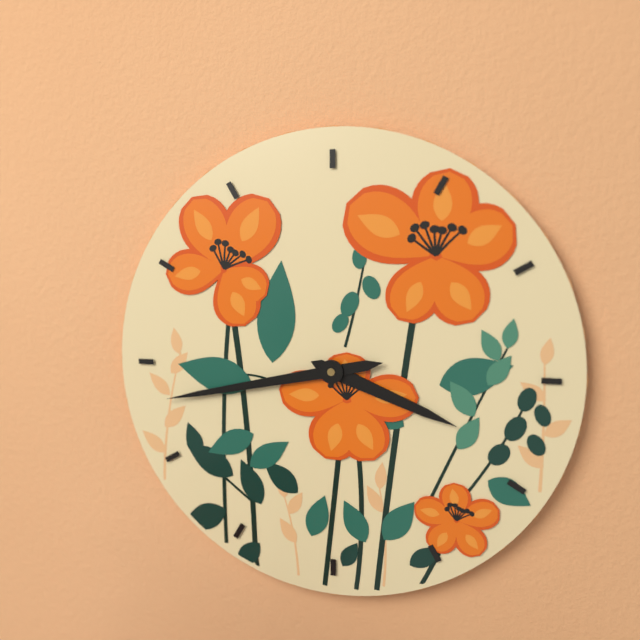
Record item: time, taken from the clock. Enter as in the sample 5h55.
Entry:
3h43
